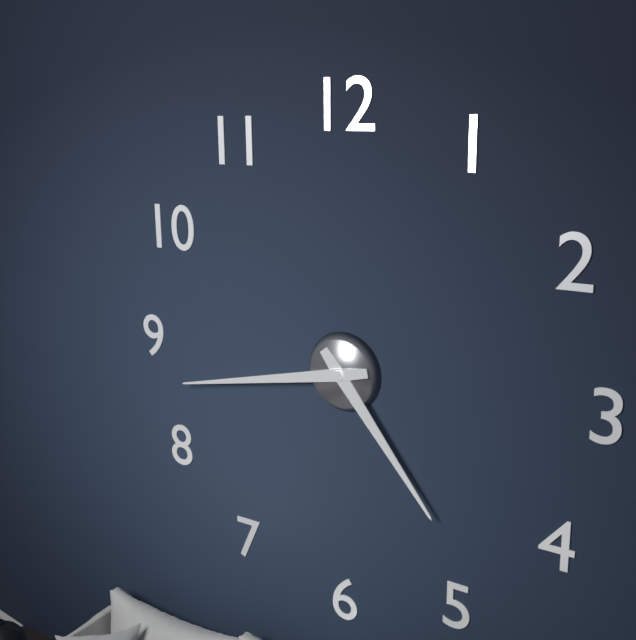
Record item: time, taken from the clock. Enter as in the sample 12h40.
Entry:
4h43
